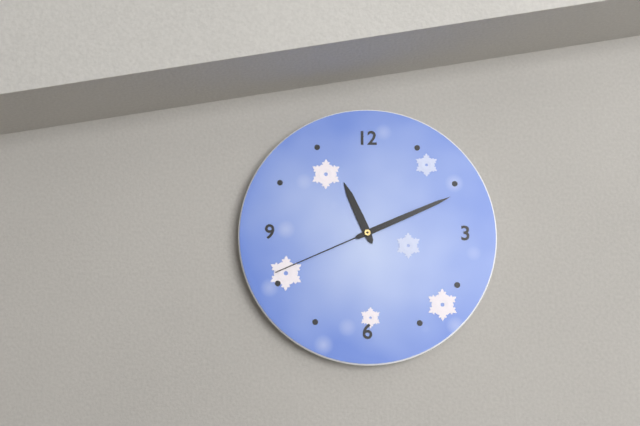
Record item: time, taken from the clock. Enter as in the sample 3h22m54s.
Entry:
11h11m41s
